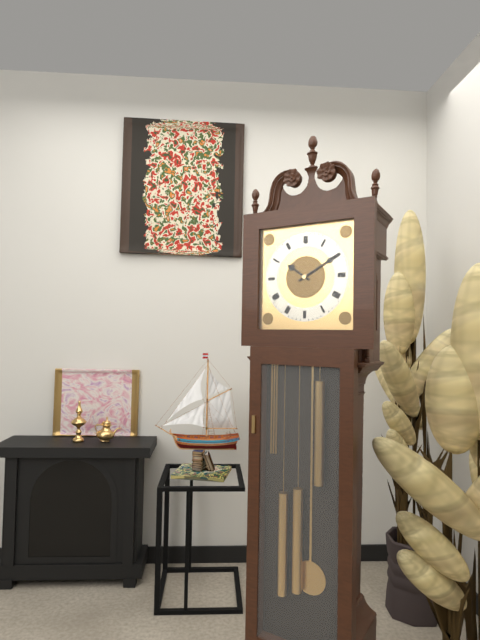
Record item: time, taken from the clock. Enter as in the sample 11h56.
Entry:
10h10
